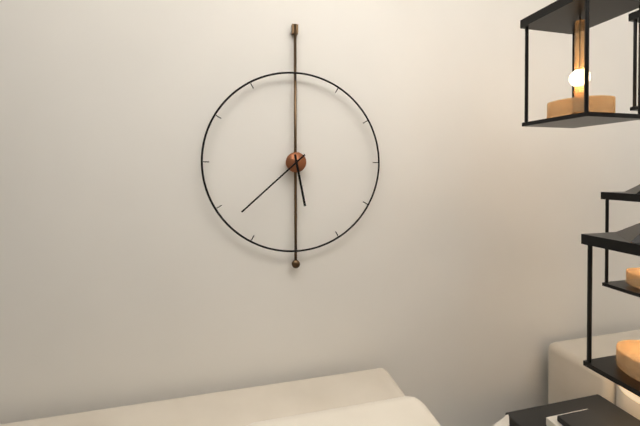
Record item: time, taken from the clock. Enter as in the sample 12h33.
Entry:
5h38
